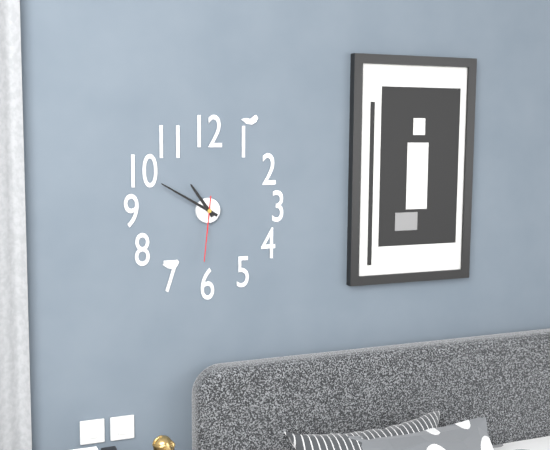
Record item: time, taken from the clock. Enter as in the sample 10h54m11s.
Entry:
10h50m31s
